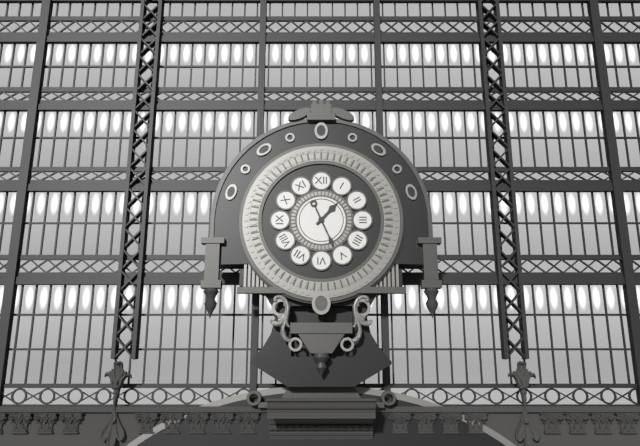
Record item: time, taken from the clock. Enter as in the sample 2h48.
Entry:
1h26
